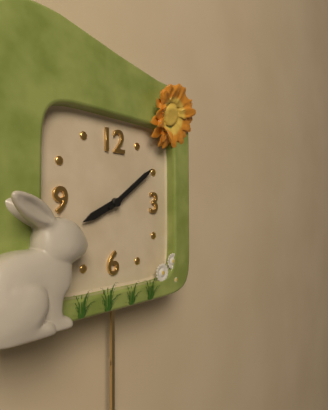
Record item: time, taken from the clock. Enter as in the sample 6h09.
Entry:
8h09
